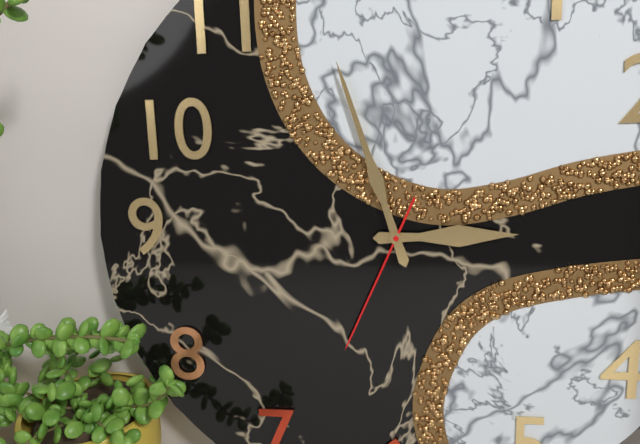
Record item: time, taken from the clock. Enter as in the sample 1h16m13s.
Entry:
2h57m34s
